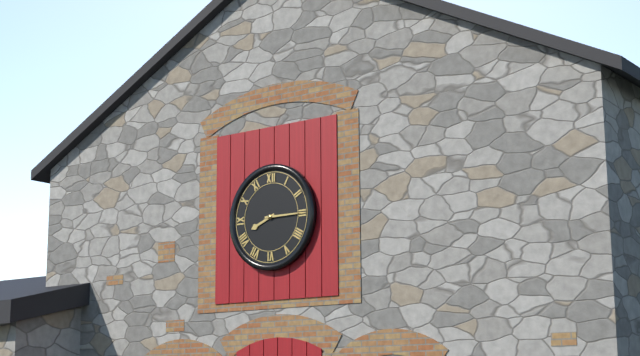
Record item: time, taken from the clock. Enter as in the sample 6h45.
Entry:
8h15
